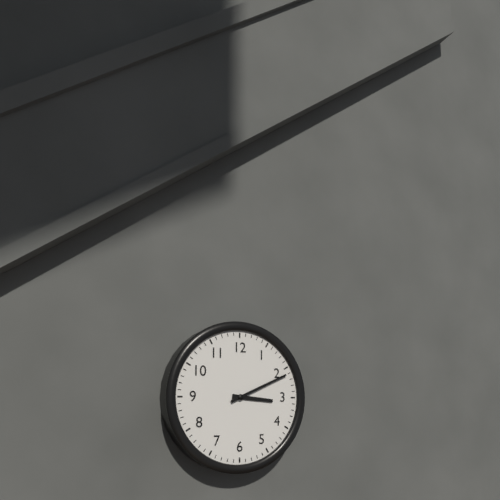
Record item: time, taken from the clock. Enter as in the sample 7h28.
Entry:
3h11
